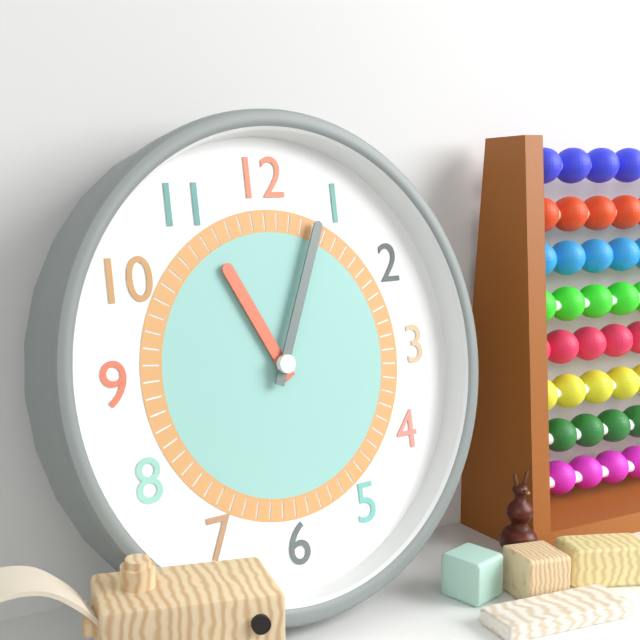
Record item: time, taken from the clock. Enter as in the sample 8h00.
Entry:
11h04
